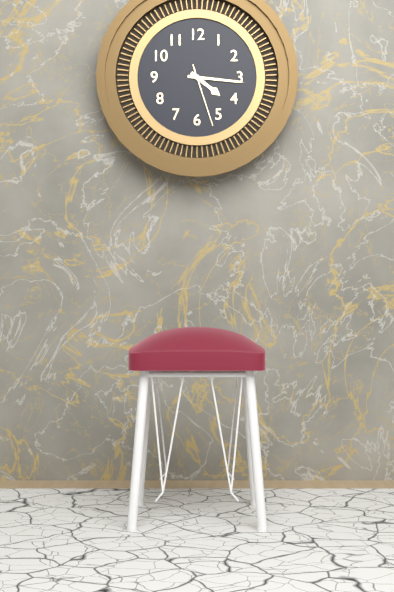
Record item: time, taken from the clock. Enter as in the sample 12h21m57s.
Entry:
4h16m27s
